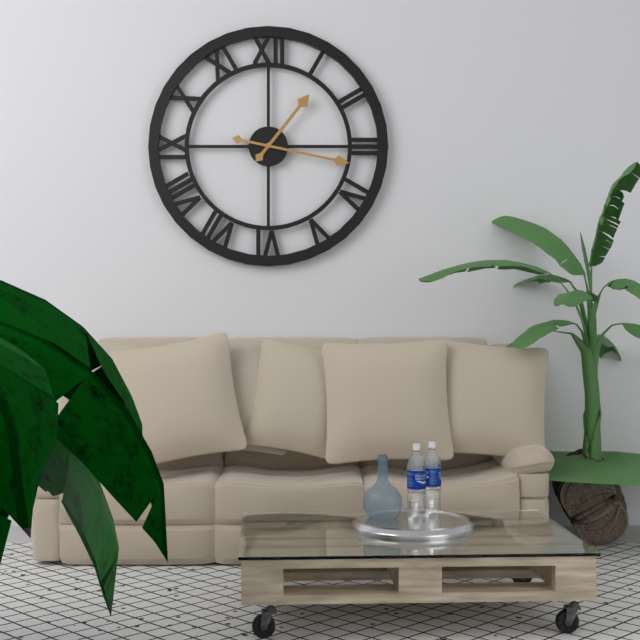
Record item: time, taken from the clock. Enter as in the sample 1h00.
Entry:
1h17
